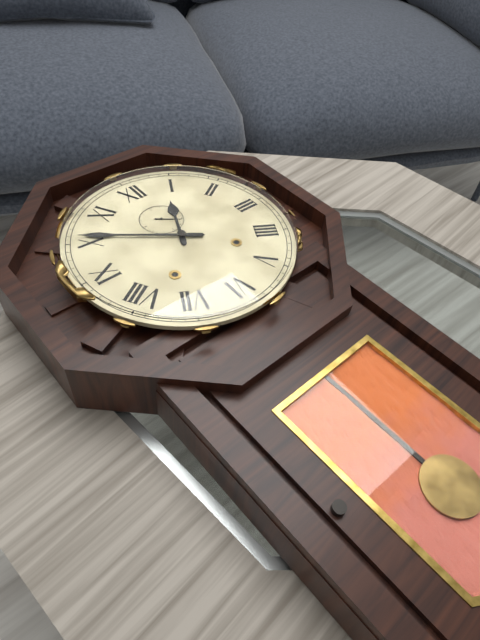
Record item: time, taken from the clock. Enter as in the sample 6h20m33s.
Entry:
12h51m21s
